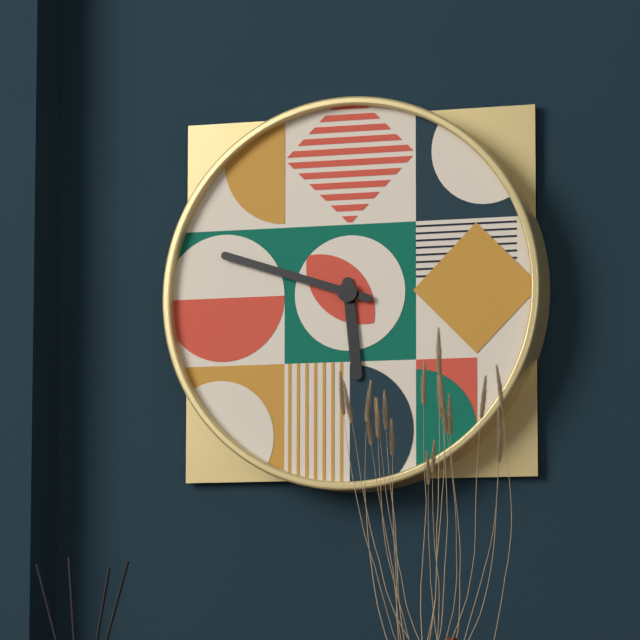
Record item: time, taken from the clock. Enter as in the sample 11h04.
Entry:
5h48
